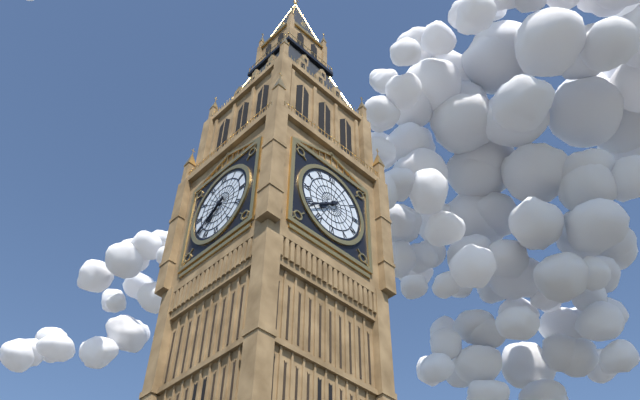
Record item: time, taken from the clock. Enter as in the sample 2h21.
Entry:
7h39
